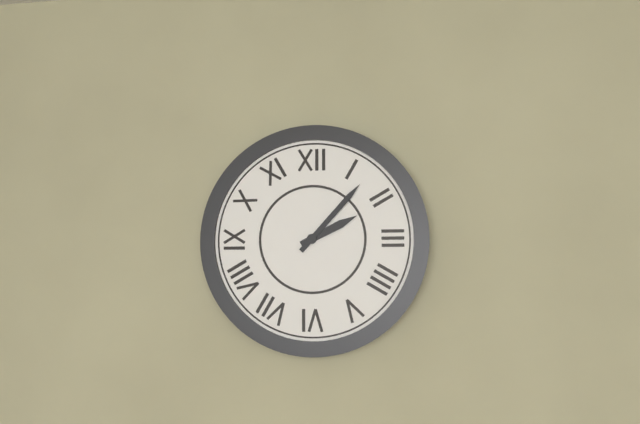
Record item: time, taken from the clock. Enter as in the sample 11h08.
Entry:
2h07
